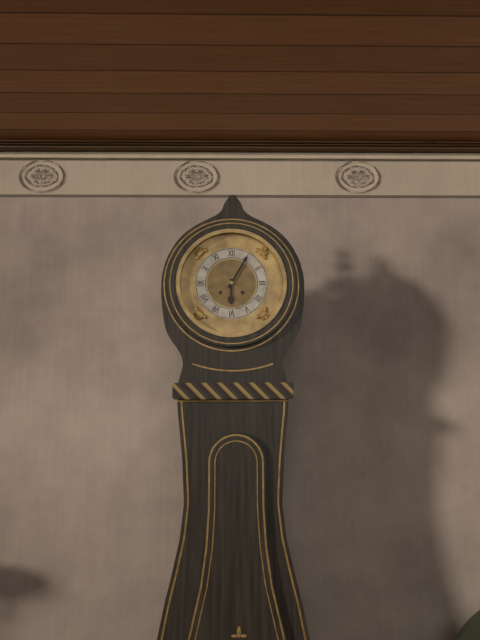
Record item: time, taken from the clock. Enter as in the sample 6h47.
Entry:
6h05
